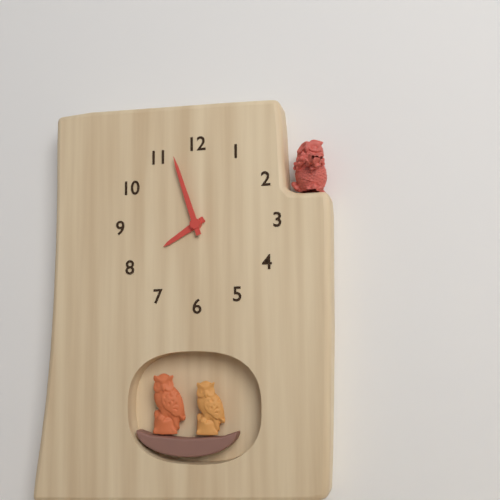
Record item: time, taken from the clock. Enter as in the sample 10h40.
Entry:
7h57
